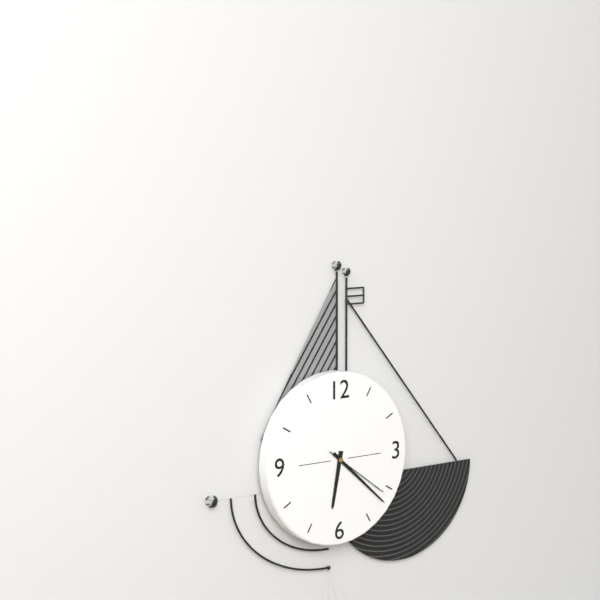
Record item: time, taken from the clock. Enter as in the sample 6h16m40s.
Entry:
6h22m21s
